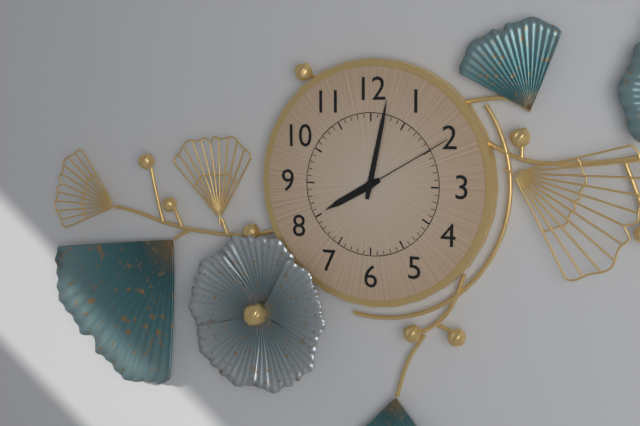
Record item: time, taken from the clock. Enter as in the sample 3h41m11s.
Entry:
8h02m10s
